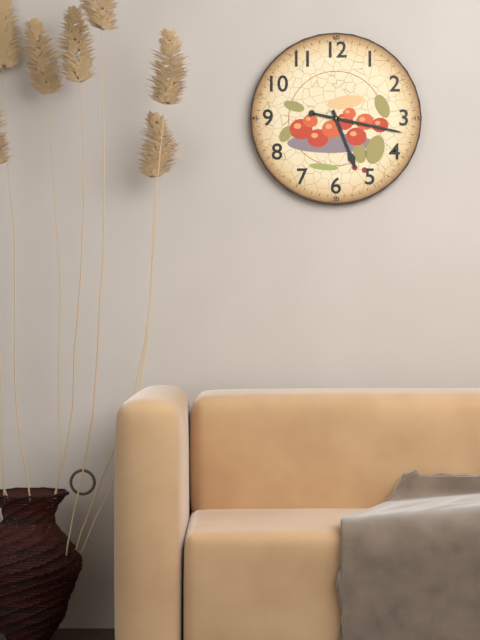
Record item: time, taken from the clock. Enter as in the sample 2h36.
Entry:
5h17
